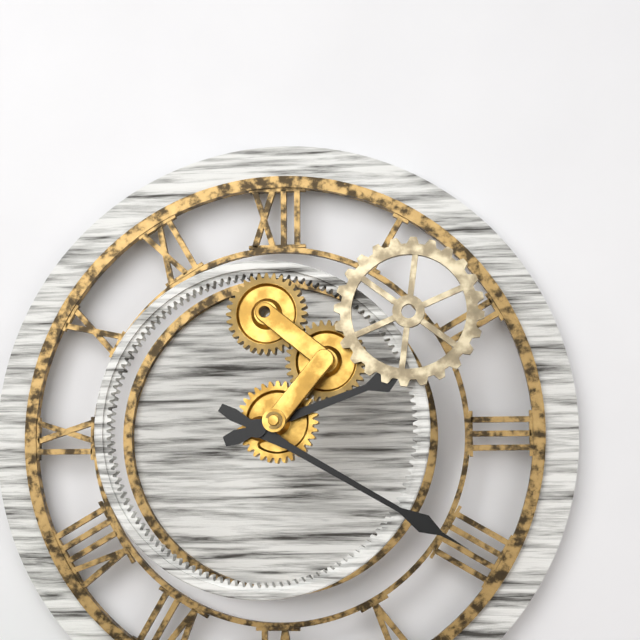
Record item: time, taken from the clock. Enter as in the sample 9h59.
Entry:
2h20
